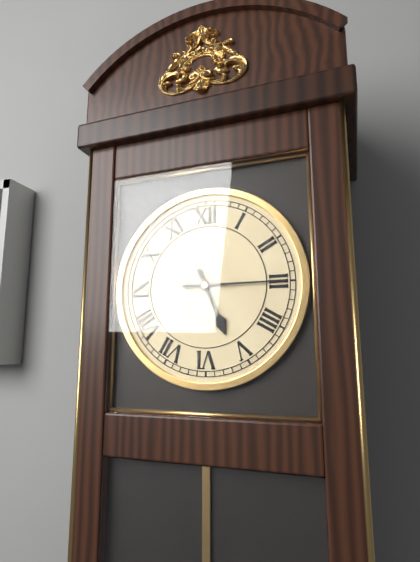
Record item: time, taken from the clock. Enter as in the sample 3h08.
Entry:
5h15
